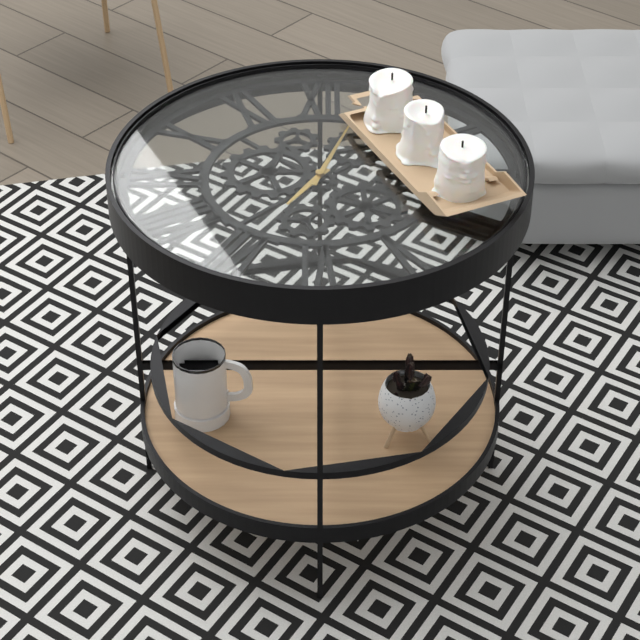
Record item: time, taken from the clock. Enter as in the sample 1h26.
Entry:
7h03
